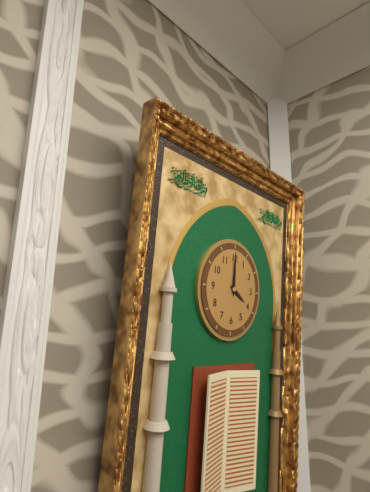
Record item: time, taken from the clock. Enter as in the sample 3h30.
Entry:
4h00
